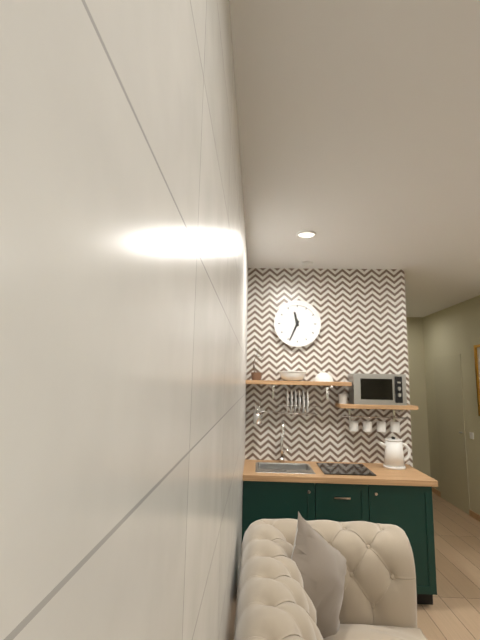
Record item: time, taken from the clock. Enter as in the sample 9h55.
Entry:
11h34
